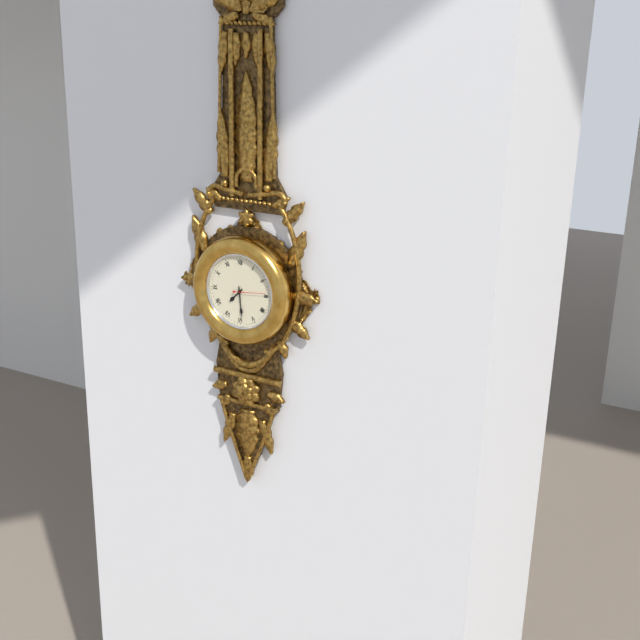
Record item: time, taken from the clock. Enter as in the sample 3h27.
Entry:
7h29
